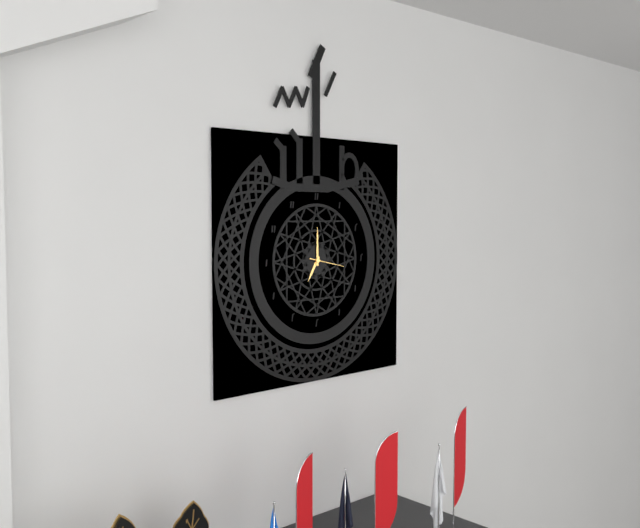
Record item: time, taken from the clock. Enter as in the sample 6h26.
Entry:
7h00
